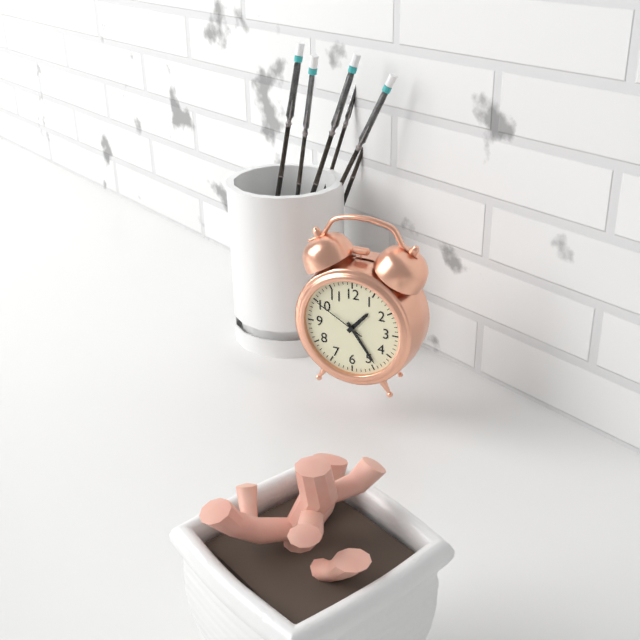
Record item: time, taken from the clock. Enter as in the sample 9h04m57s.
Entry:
1h24m50s
